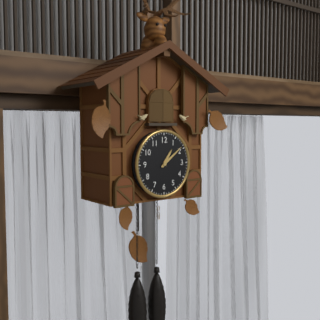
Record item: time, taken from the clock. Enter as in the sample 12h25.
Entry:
1h09
